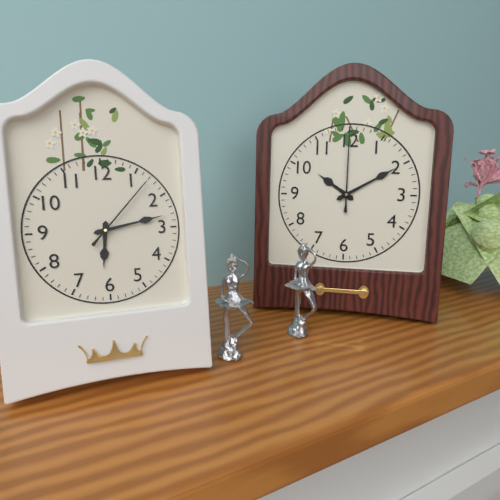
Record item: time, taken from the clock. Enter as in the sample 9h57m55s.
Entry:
6h13m07s
